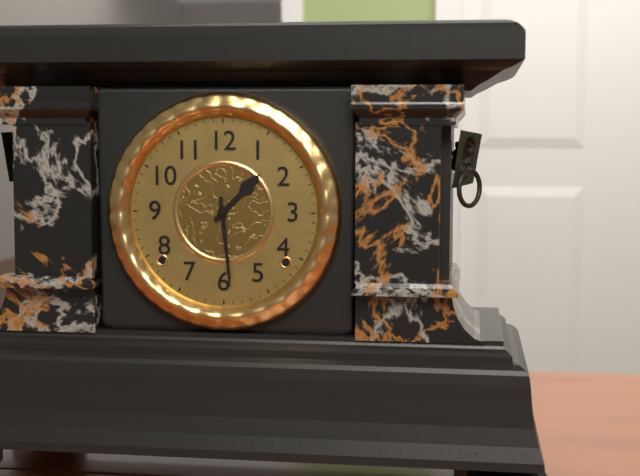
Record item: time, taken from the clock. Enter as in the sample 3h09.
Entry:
1h29
